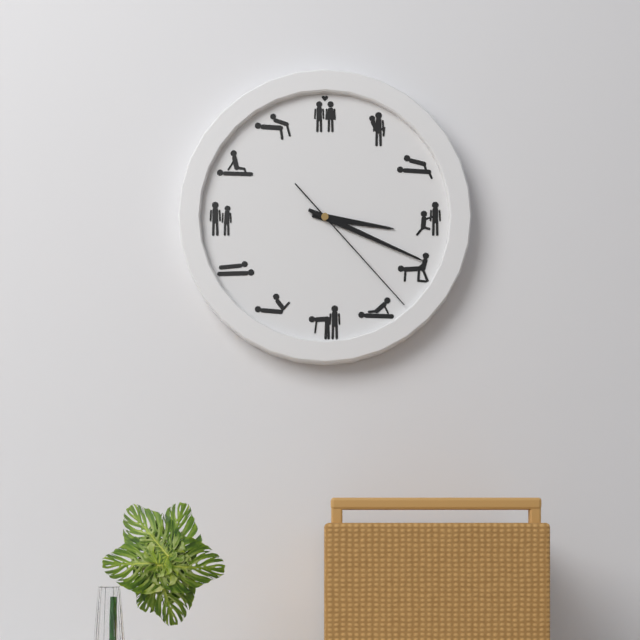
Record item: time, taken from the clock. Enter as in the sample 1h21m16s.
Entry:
3h19m23s
